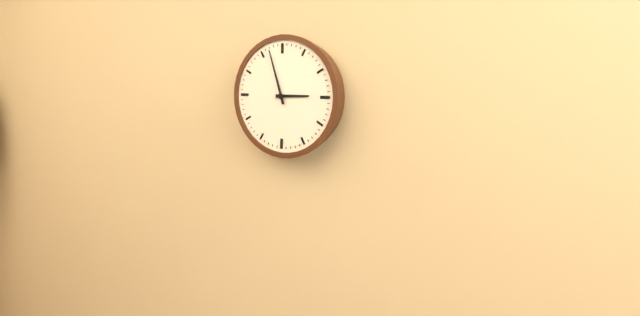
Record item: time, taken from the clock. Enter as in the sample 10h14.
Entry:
2h57
